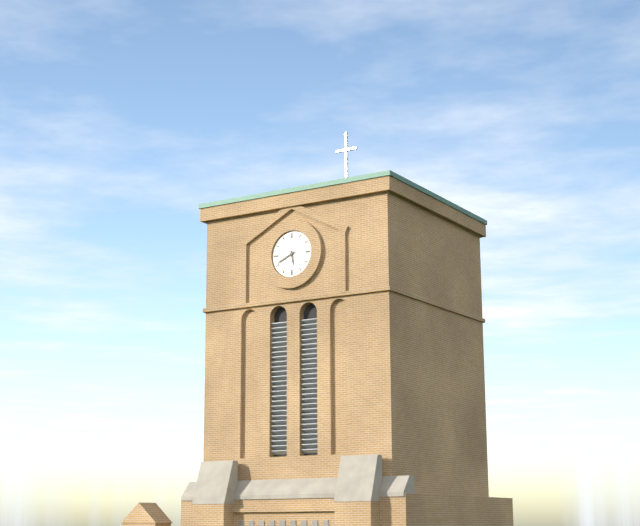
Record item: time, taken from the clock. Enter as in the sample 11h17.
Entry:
5h41
